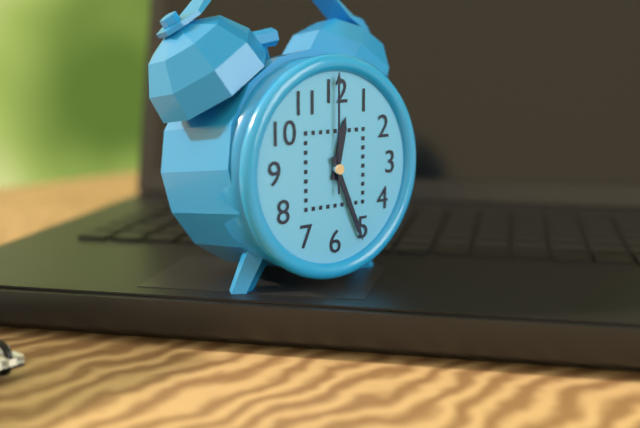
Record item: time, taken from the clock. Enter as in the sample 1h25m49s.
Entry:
12h26m00s
